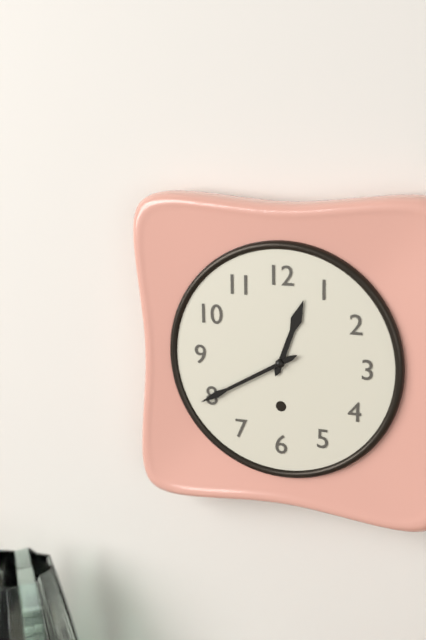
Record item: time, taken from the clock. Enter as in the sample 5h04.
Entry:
12h40
